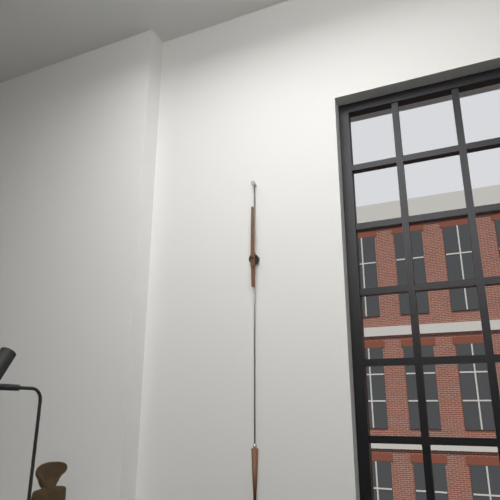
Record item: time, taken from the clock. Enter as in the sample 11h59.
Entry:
6h00
